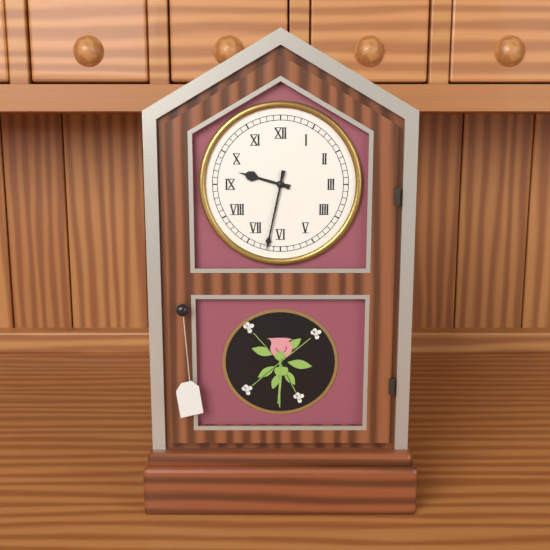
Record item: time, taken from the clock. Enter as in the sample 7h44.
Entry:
9h32
